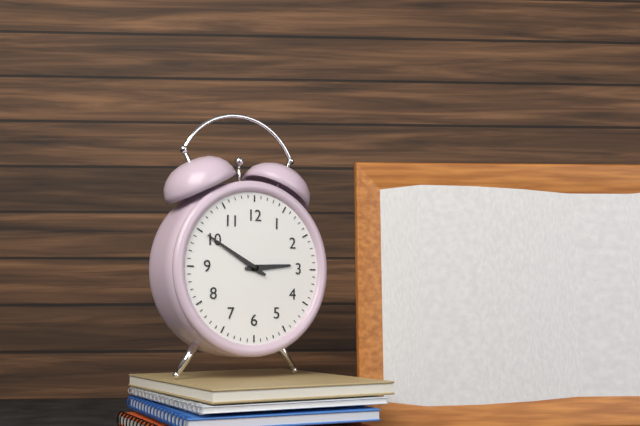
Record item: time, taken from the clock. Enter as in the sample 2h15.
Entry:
2h50
